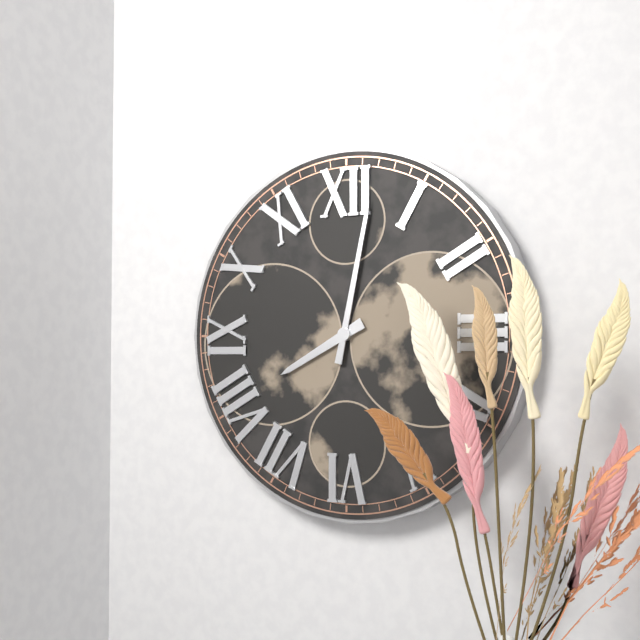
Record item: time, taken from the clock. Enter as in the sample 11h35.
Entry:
8h02
